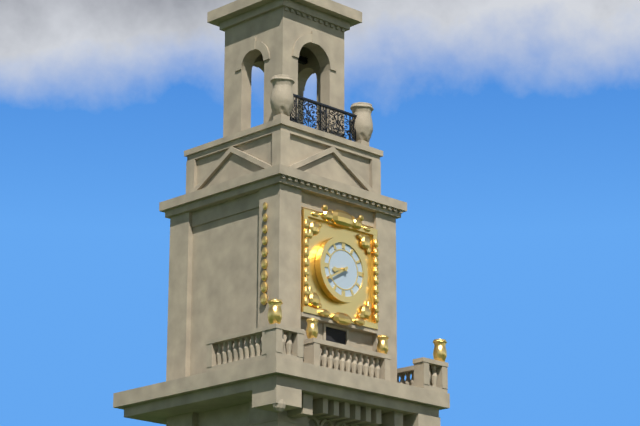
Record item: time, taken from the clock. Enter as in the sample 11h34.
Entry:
8h40
